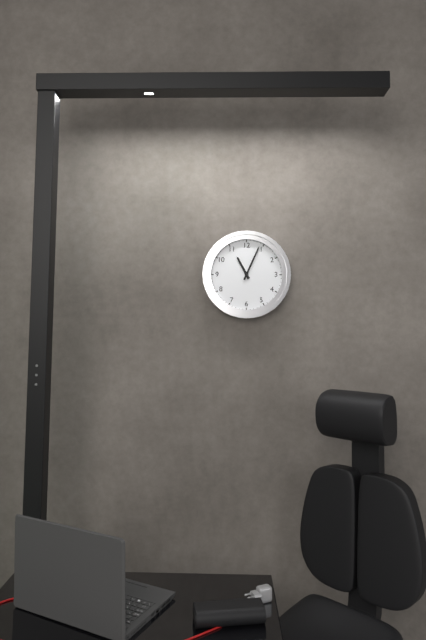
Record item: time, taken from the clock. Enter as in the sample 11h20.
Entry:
11h04
